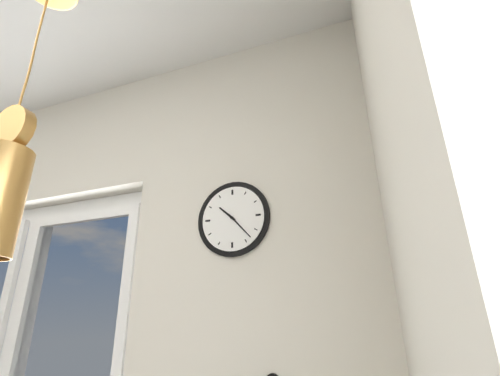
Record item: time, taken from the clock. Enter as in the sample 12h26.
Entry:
10h23
